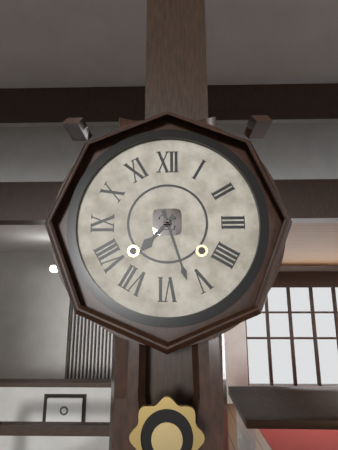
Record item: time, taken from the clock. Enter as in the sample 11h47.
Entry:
7h27
